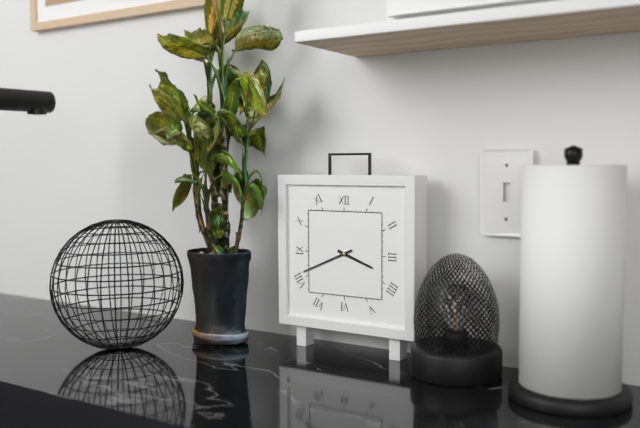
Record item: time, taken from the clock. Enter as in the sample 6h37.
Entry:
3h41
